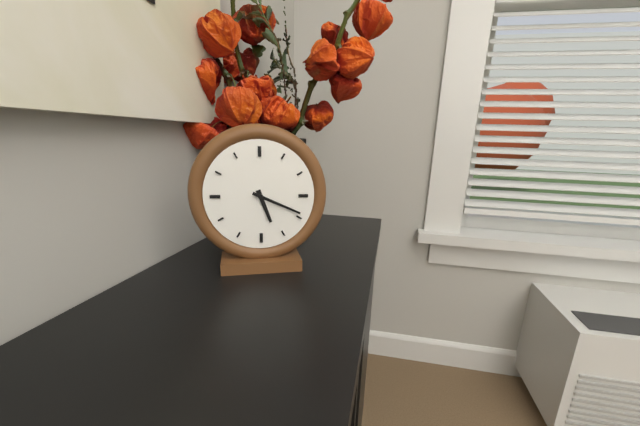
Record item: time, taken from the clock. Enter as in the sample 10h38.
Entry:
5h19
